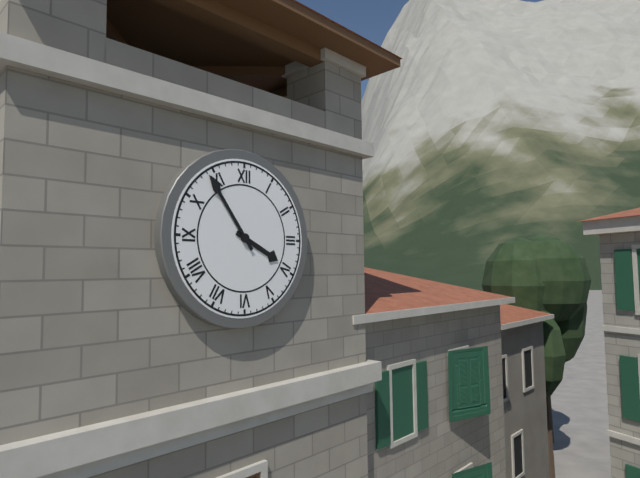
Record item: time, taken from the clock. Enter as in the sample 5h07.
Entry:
3h54
